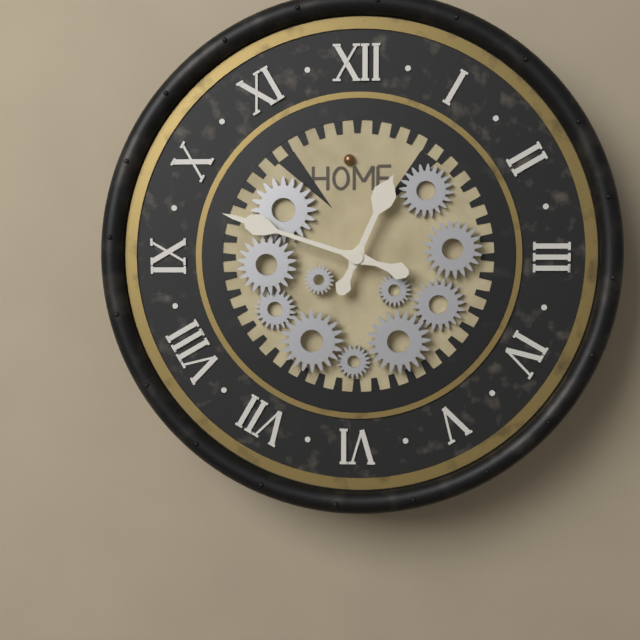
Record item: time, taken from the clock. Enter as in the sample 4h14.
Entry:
12h48
